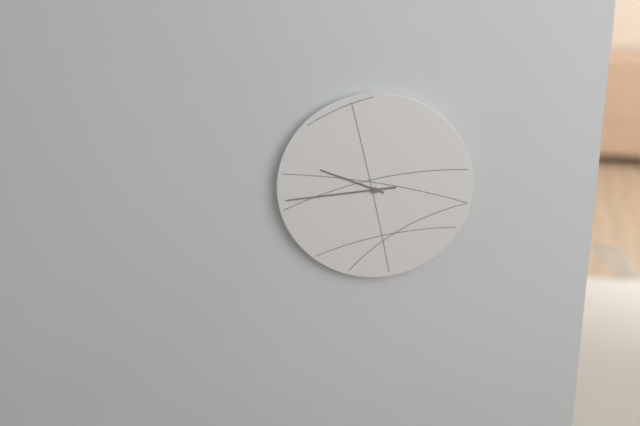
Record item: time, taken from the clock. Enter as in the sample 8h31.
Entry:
9h44
